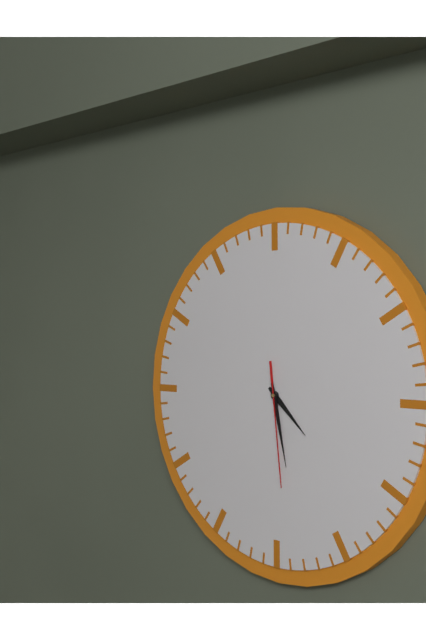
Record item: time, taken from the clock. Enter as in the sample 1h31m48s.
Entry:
4h28m29s
